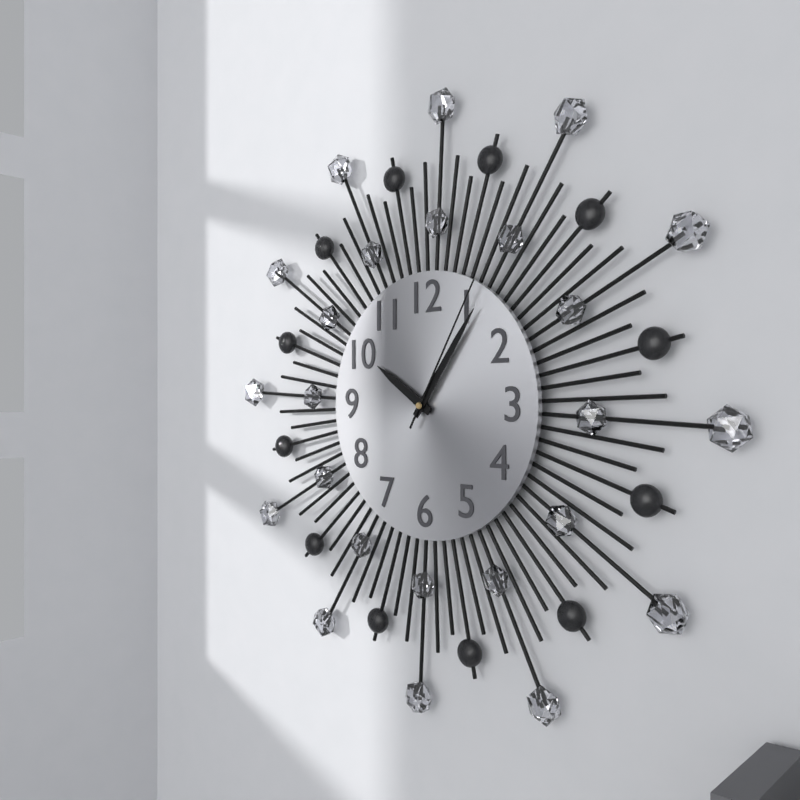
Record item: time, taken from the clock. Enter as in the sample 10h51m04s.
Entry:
10h06m05s
